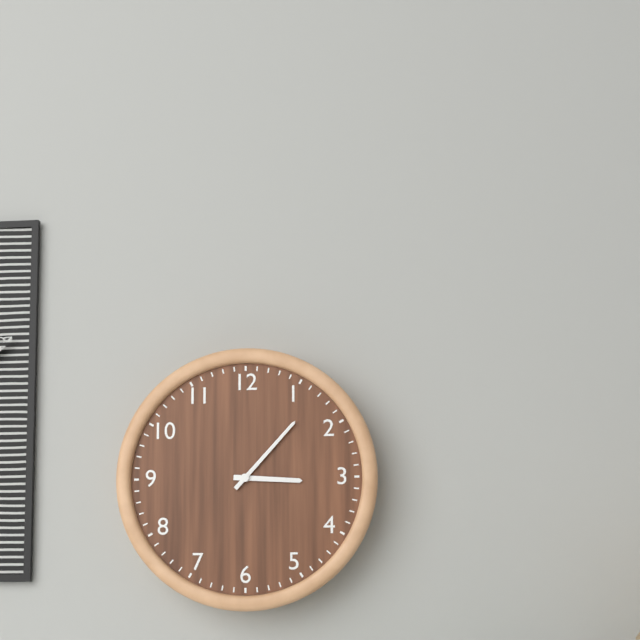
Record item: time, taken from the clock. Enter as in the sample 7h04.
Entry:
3h07
